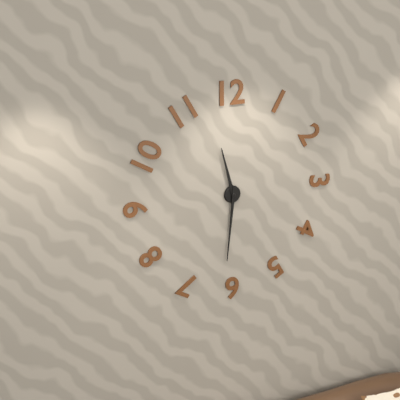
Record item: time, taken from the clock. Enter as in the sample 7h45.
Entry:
11h31
